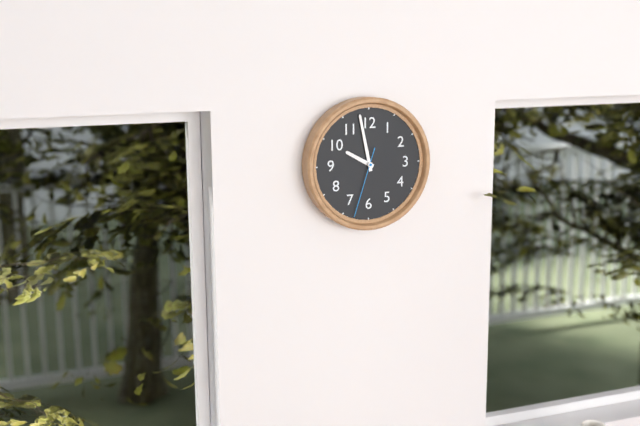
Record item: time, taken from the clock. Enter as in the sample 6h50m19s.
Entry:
9h58m33s
